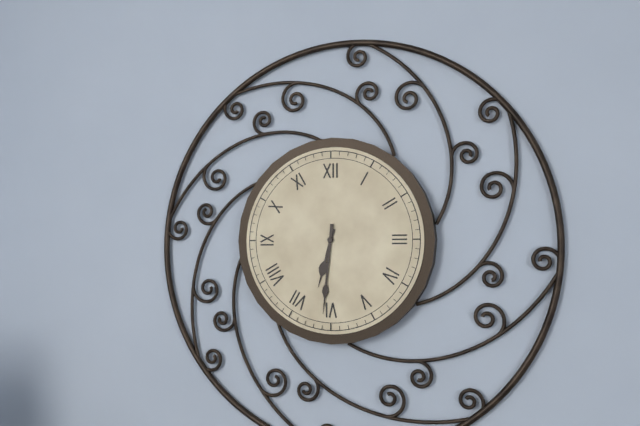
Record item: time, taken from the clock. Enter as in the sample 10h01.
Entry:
6h31
